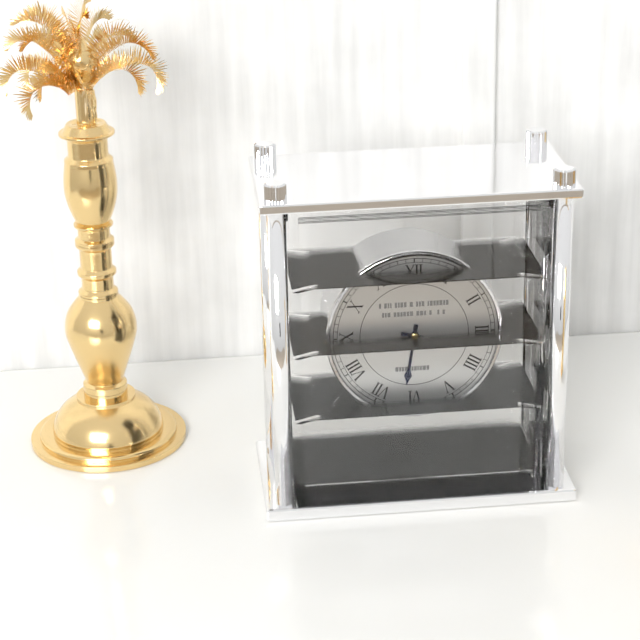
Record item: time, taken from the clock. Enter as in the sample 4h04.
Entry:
6h17
